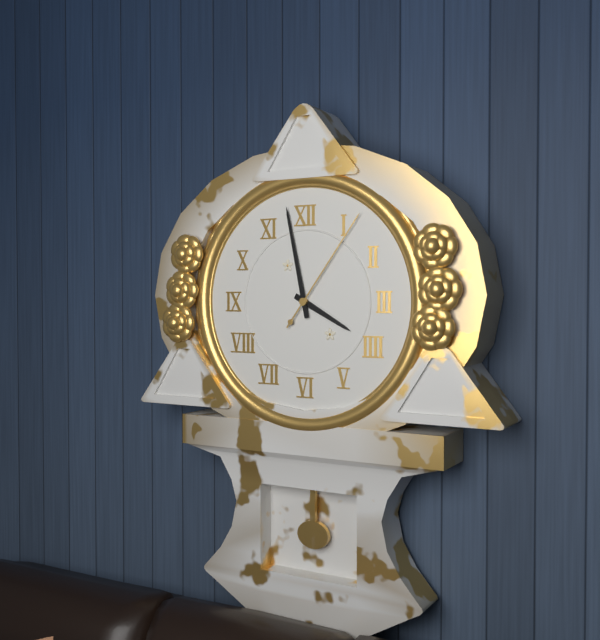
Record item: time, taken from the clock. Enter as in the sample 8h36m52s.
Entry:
3h58m06s
